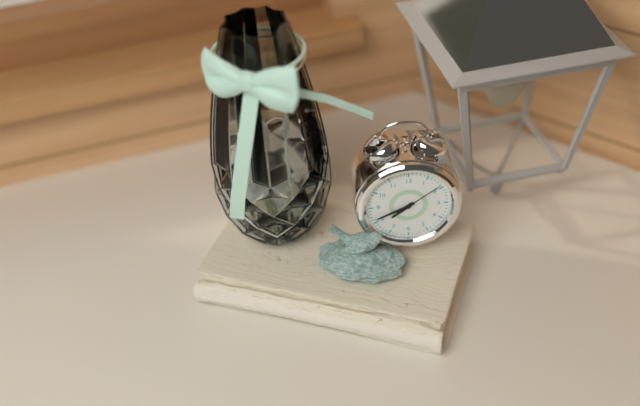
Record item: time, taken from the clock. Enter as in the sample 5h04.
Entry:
7h41
